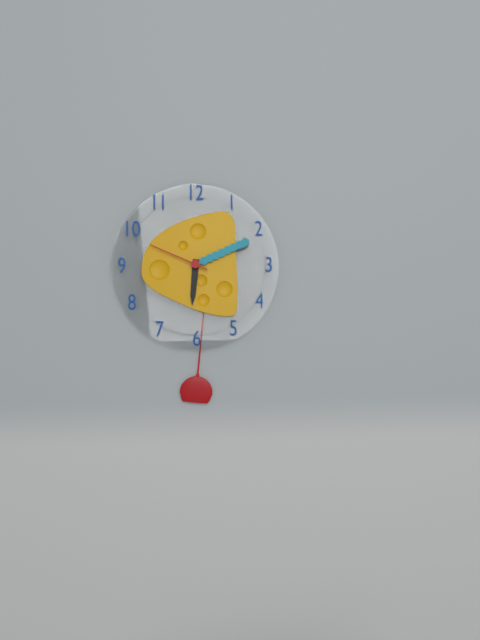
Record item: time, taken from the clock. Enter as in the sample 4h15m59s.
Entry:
6h11m49s
